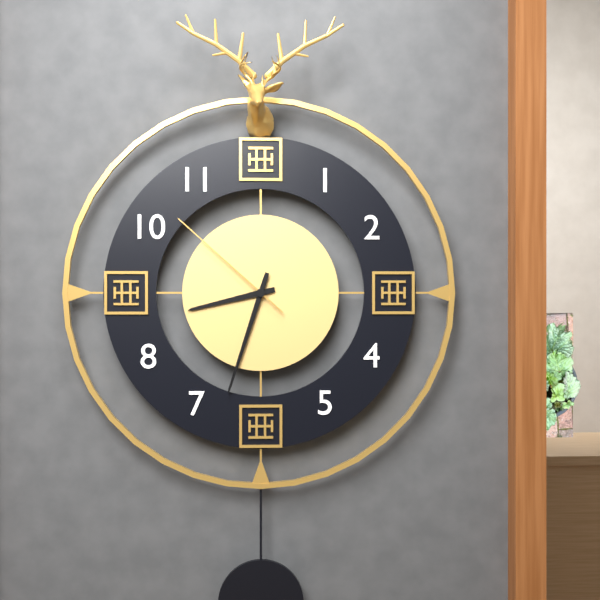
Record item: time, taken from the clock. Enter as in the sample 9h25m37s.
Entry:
8h33m52s
